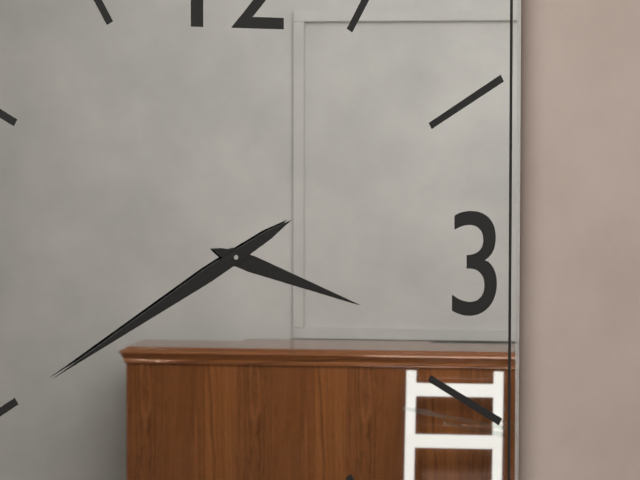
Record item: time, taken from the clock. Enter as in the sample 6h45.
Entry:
3h40
